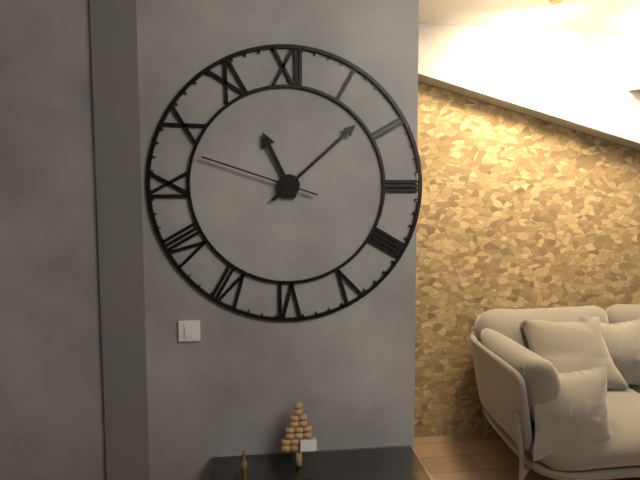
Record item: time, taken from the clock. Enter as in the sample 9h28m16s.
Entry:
11h08m48s
